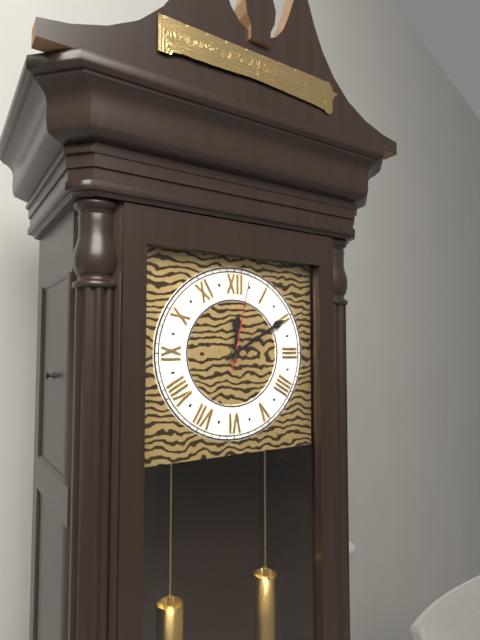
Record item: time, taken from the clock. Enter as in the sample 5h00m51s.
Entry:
12h10m02s
